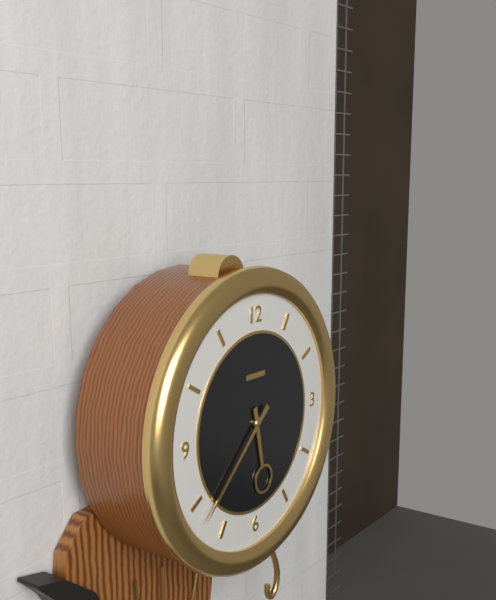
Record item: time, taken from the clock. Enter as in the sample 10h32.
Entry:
5h38
